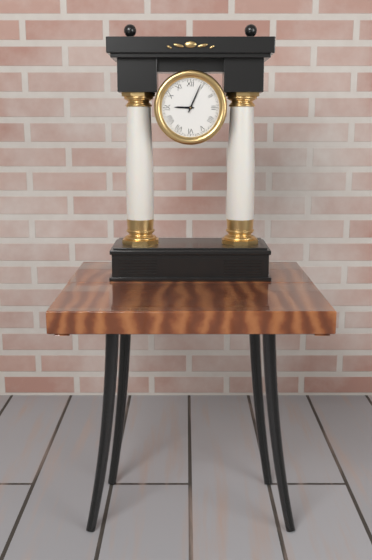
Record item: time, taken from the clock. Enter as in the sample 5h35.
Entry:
9h04
